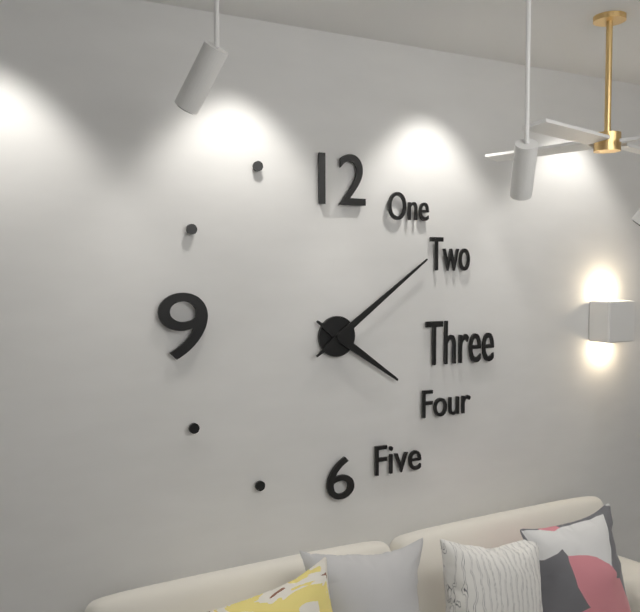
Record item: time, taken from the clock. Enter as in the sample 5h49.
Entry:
4h09
